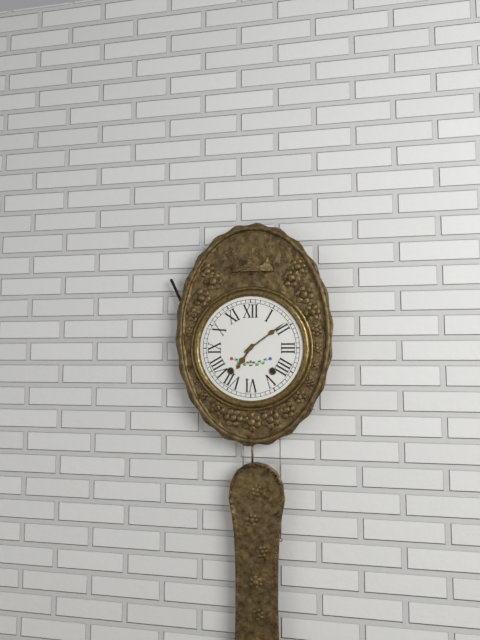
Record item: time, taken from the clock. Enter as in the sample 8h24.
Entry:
7h09
